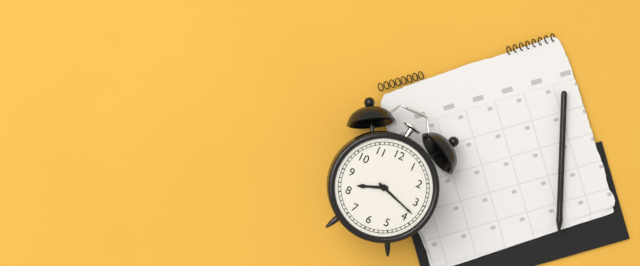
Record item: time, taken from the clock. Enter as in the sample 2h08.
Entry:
8h18
